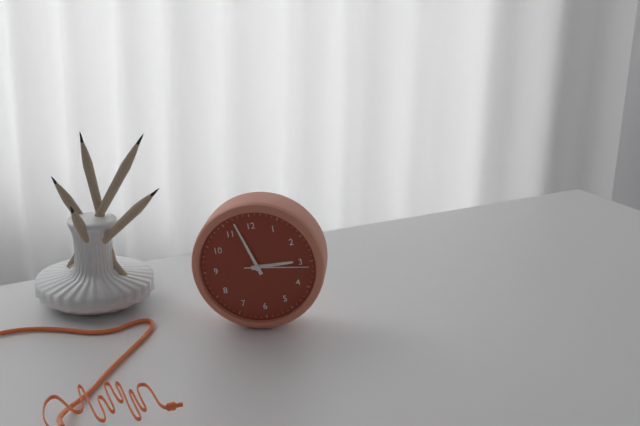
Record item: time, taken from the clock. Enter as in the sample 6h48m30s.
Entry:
2h57m16s
